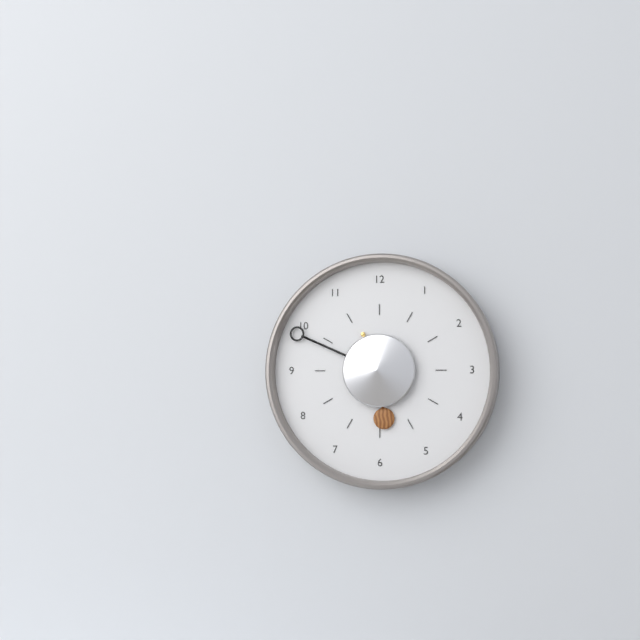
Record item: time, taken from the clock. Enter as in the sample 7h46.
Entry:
5h49
